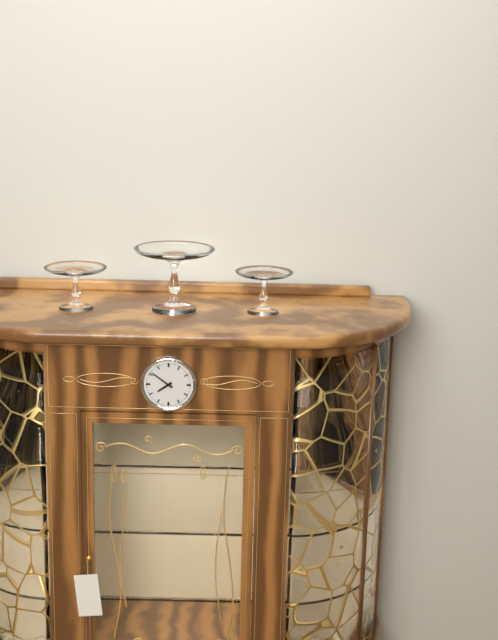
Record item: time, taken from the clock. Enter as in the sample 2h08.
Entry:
7h51
